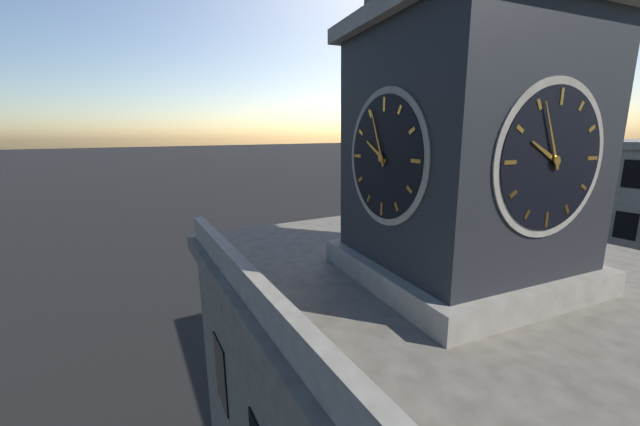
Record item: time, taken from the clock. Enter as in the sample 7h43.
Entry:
9h56
